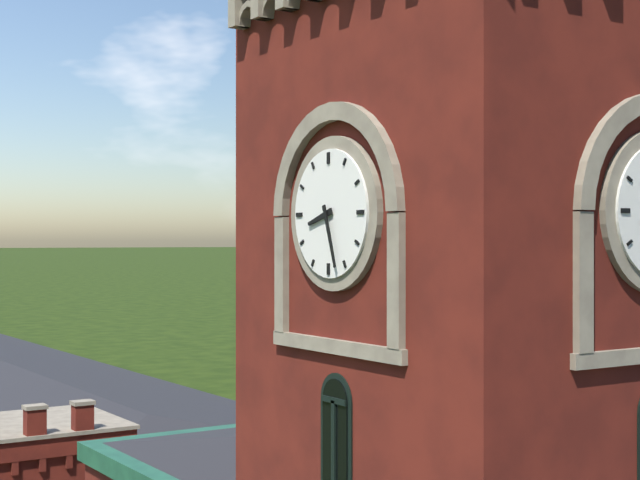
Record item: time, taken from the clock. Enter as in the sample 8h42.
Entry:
8h27
